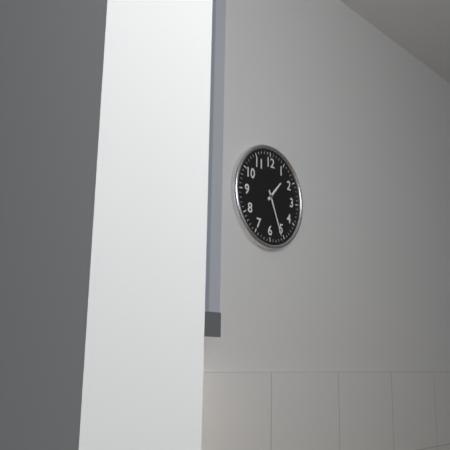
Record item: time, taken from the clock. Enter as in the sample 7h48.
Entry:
1h26
